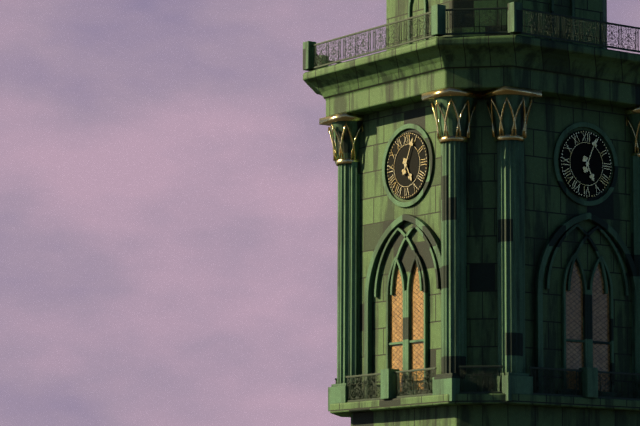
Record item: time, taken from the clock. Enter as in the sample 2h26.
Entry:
5h04
